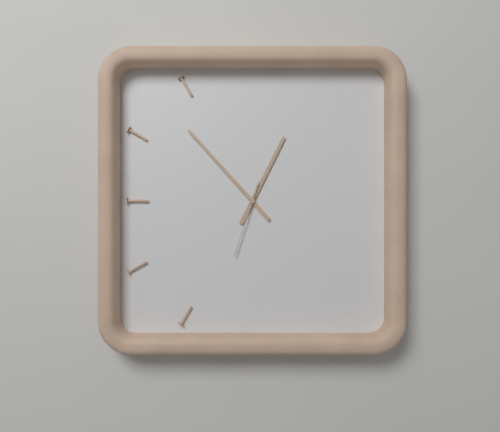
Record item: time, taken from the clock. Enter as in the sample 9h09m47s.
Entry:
12h53m33s
